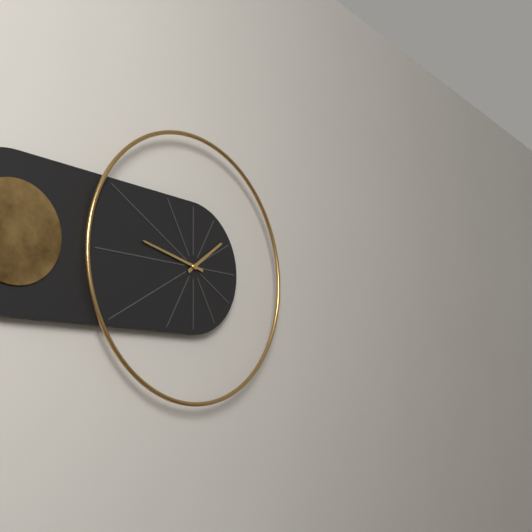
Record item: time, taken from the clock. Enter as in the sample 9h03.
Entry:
1h47
